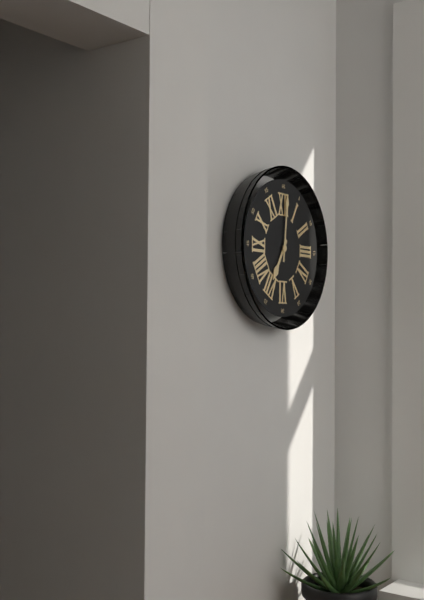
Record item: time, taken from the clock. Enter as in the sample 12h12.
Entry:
7h01
